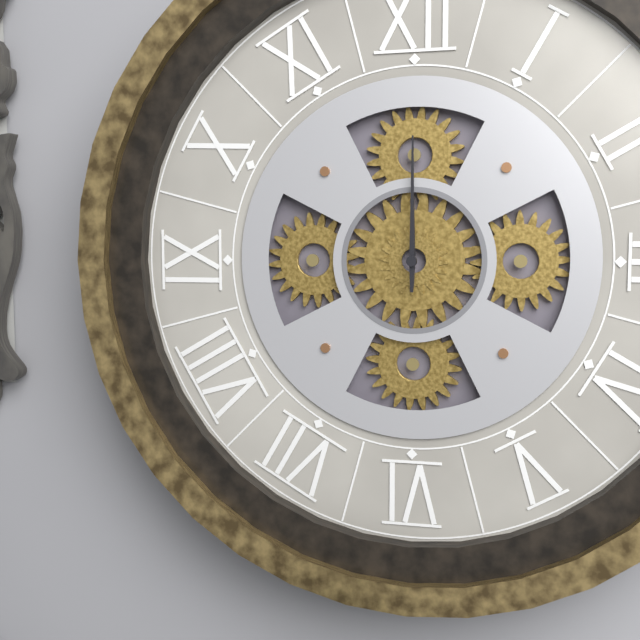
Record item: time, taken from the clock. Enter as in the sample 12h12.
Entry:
12h00
